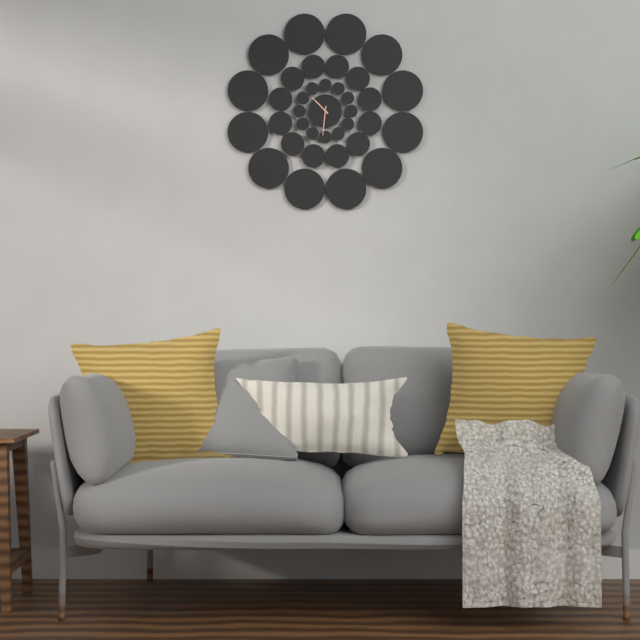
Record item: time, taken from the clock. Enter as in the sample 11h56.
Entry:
10h31
